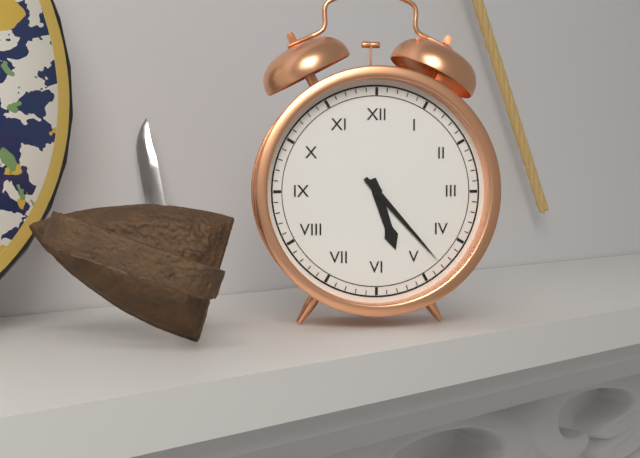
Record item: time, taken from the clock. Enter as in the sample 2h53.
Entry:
5h23
